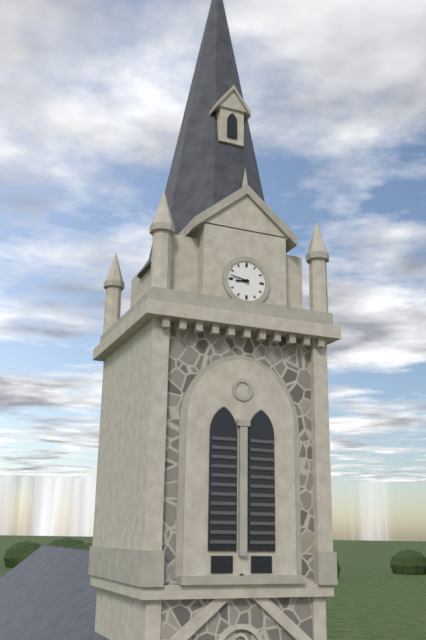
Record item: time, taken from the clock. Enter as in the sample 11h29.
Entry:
8h47
